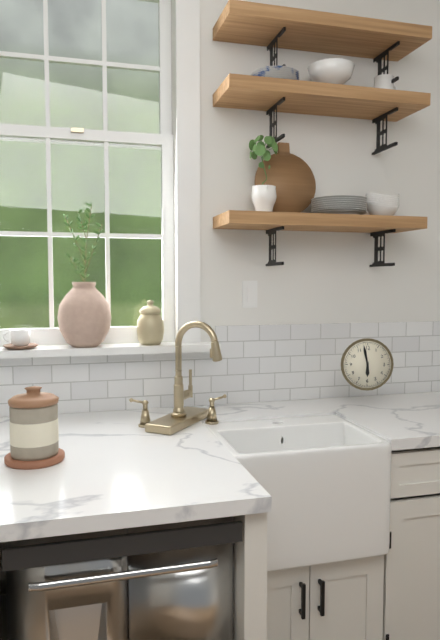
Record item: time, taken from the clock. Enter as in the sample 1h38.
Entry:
5h58
